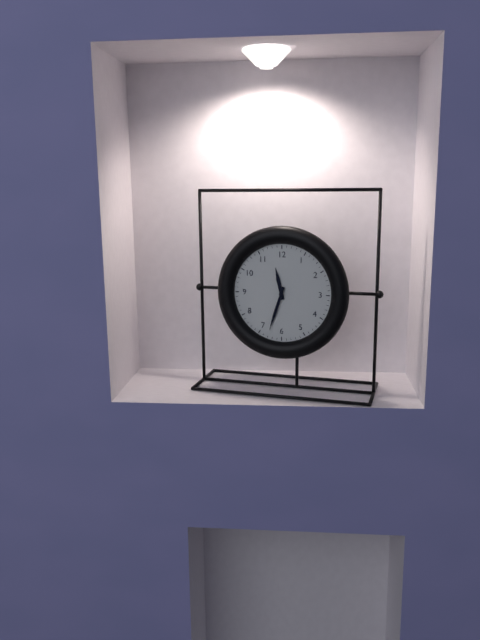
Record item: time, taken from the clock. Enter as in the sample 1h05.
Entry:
11h33
